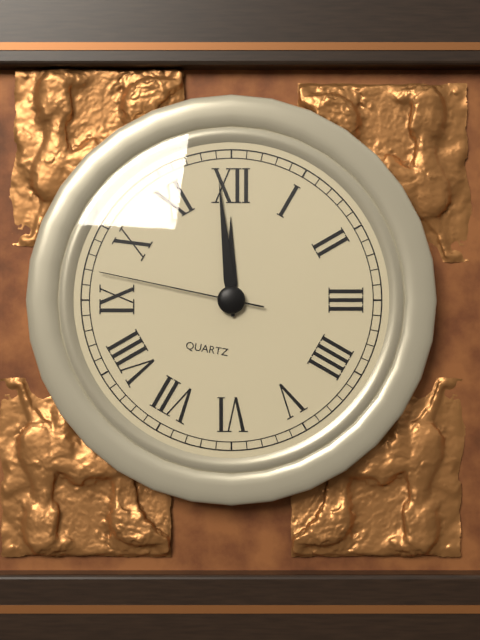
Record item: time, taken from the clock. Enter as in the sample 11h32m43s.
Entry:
11h59m47s
